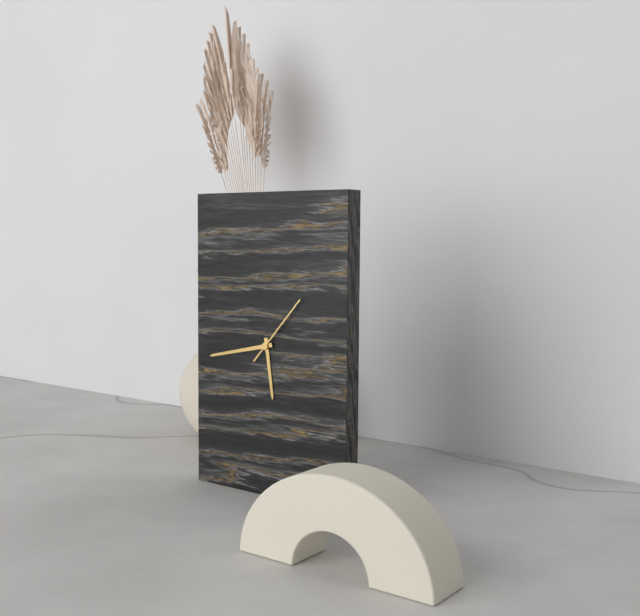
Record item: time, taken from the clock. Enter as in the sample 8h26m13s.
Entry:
5h43m07s
